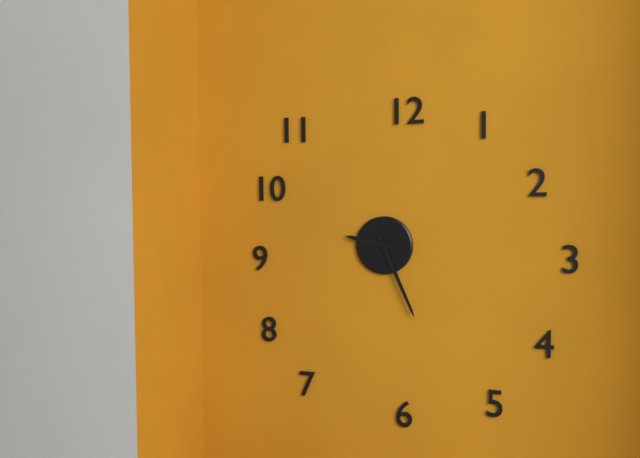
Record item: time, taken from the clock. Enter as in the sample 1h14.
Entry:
9h26
